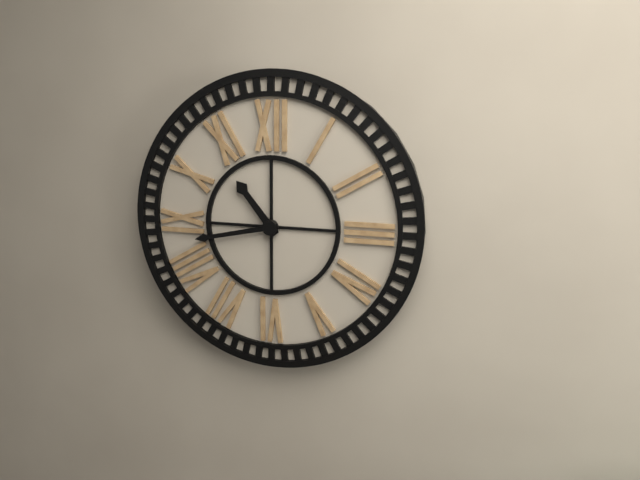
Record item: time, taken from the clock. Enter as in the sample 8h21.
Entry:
10h43
